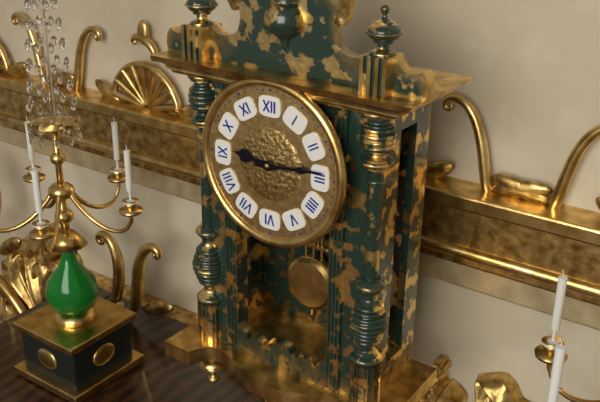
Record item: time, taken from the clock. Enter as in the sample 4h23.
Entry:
9h14
